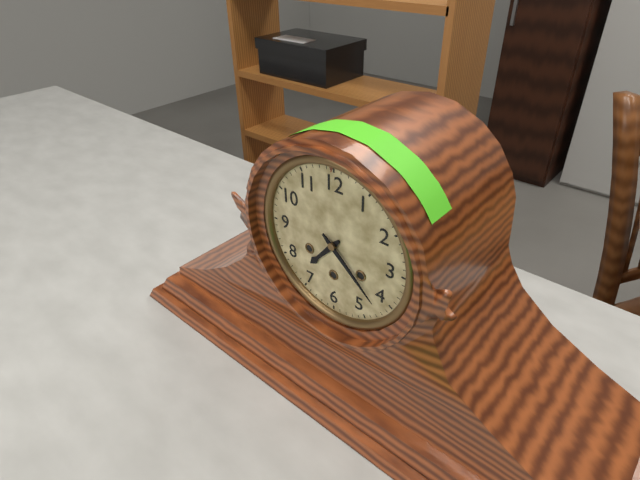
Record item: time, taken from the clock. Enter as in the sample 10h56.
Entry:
7h22
